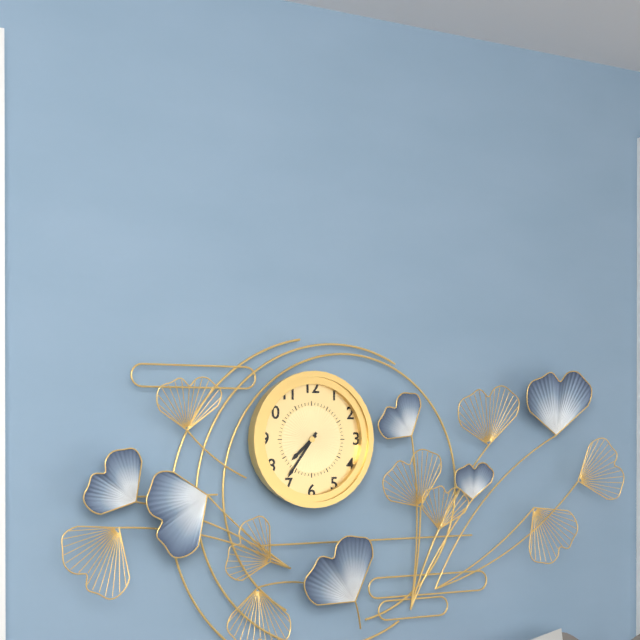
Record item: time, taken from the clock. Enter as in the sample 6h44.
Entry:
7h36
